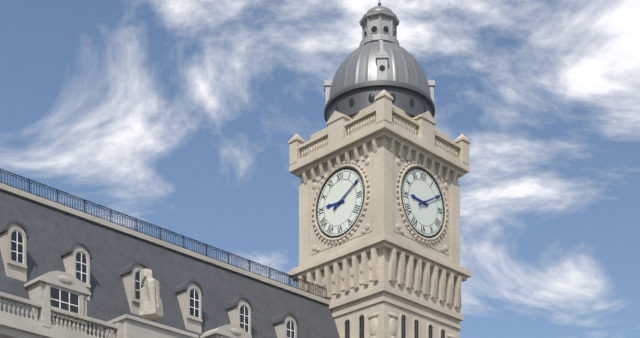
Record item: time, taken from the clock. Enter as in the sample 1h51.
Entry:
9h10
